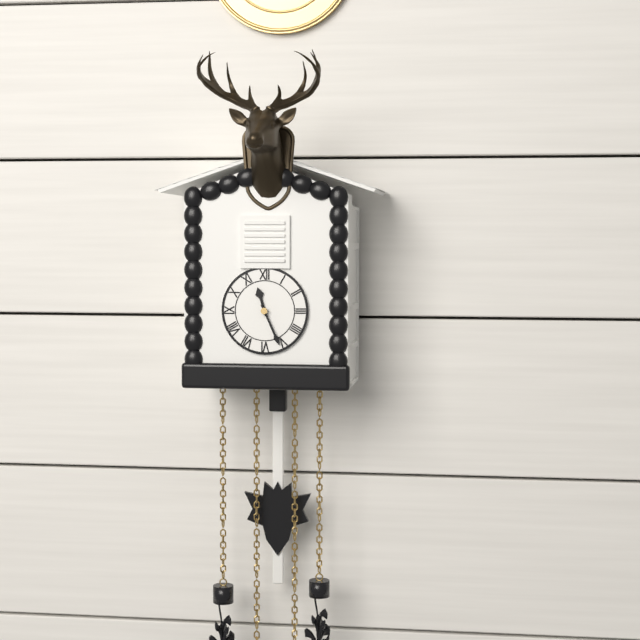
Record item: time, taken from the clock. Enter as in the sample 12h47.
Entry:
11h26
